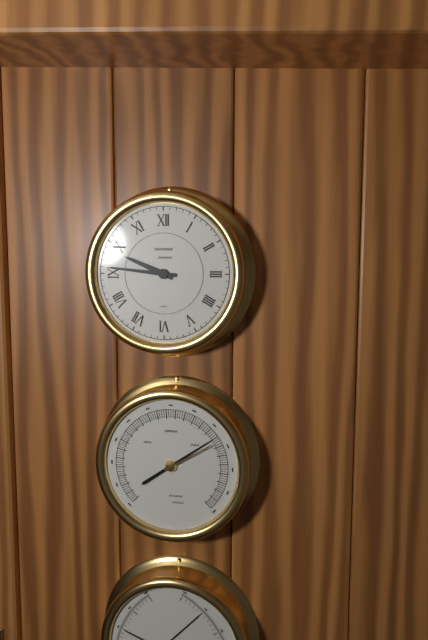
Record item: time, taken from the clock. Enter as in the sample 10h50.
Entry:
9h46
